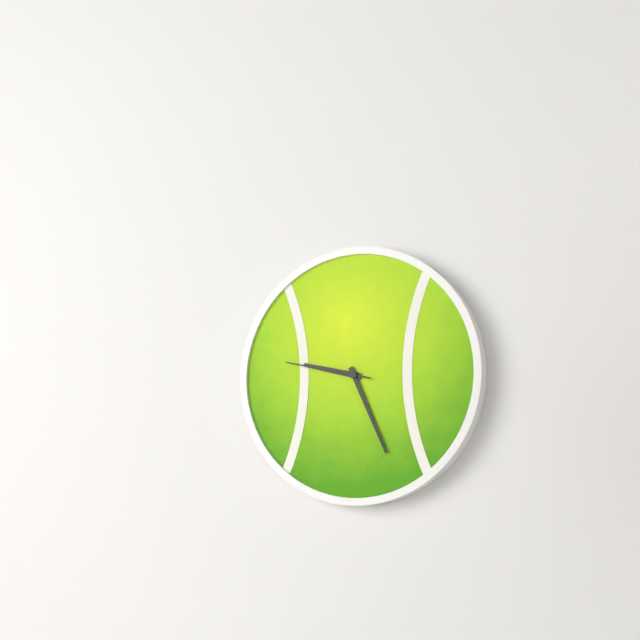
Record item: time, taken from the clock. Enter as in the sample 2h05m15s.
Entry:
9h26m47s
